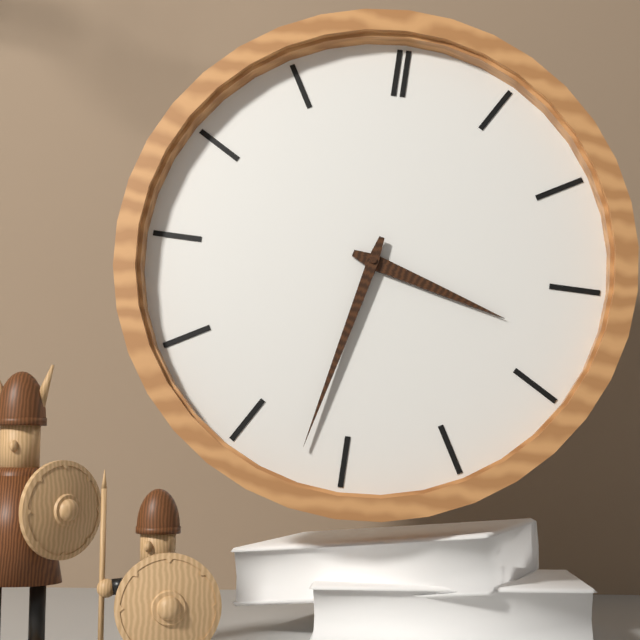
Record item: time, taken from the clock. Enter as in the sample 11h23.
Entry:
3h32
